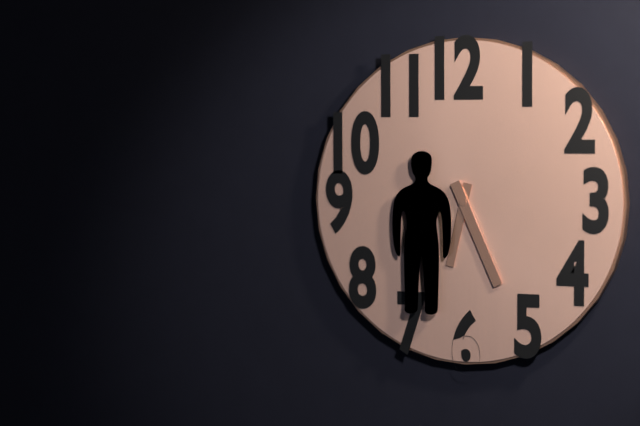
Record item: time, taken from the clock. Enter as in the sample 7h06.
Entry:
6h26
